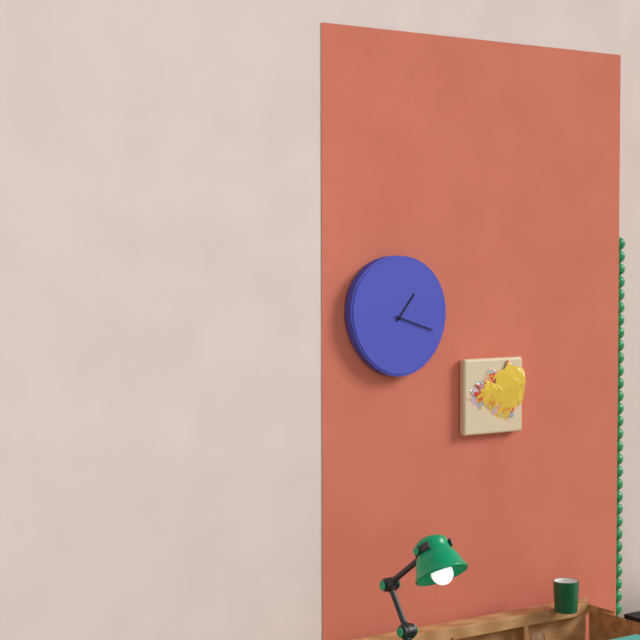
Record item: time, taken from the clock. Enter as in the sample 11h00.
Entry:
1h18
